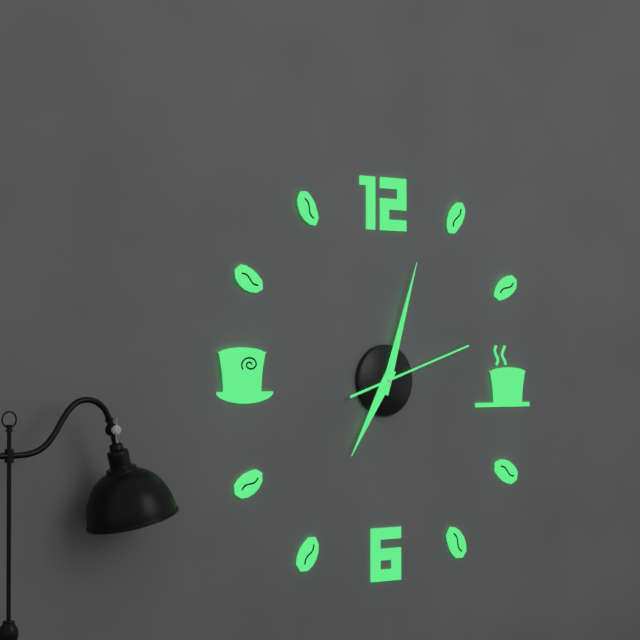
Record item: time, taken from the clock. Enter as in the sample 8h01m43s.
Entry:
7h03m12s
